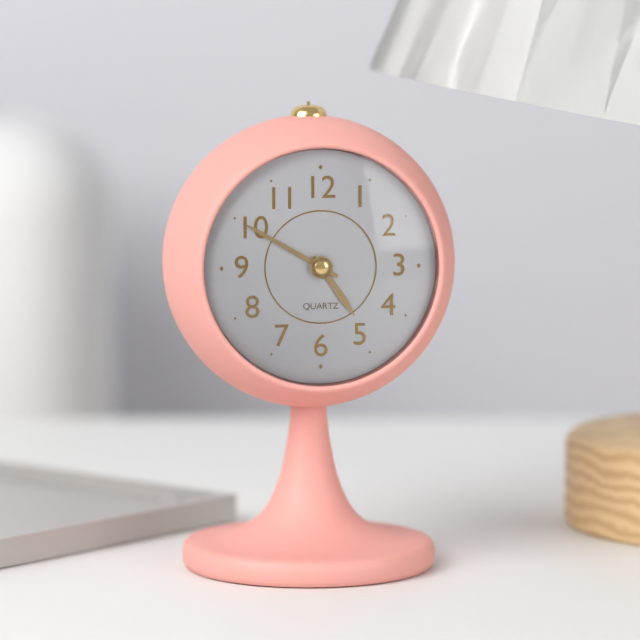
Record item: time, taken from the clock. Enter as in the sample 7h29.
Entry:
4h50
